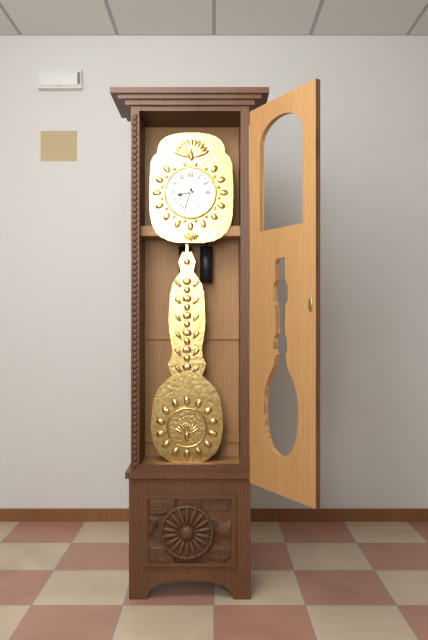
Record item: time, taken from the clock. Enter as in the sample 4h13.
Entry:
8h33
